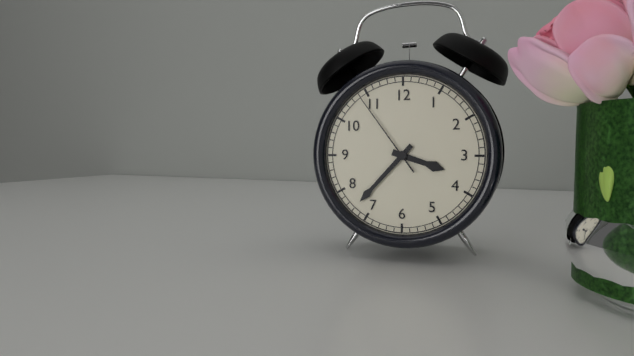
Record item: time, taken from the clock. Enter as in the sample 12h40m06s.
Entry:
3h37m54s
